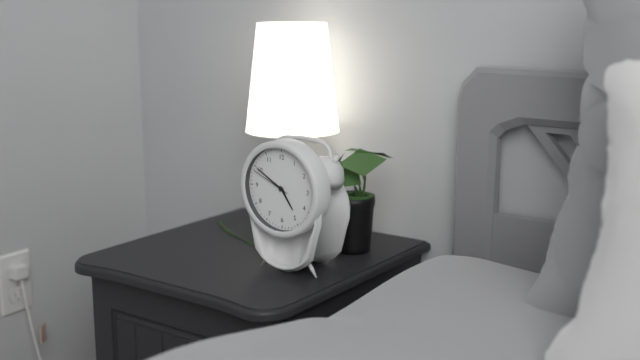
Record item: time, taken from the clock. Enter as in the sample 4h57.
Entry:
4h50
